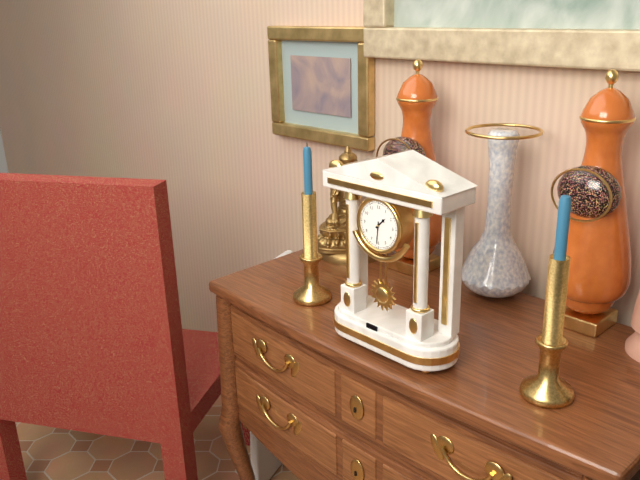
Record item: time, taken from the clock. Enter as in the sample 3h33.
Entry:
1h31
